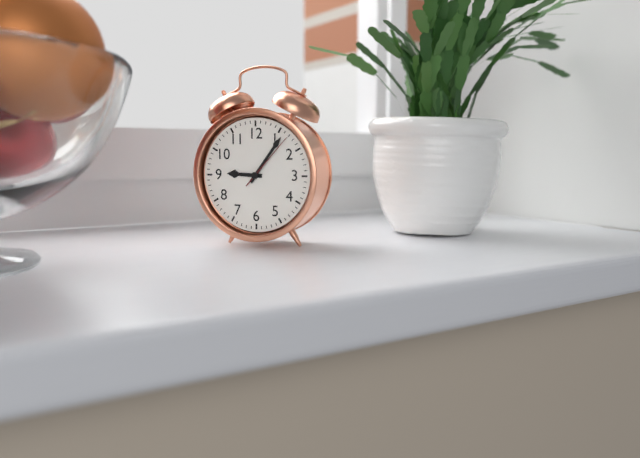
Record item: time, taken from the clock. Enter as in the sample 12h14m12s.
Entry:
9h06m07s
